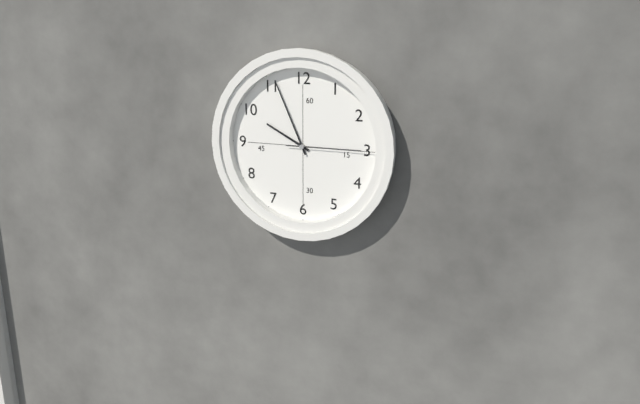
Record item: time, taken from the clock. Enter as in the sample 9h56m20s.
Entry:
9h56m15s
